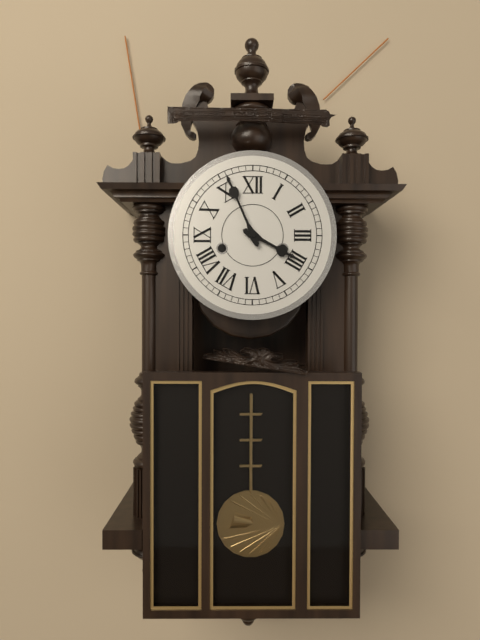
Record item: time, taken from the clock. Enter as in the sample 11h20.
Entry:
3h56
